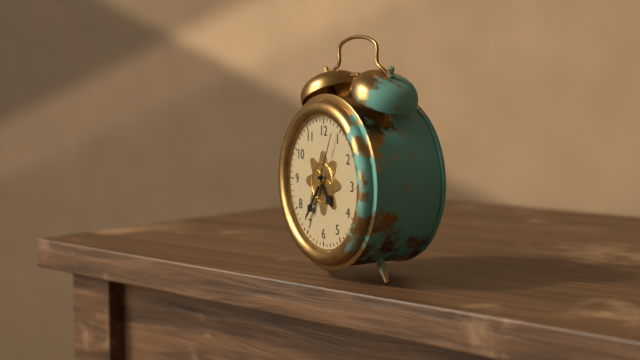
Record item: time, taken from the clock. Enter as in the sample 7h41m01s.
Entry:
4h36m04s
